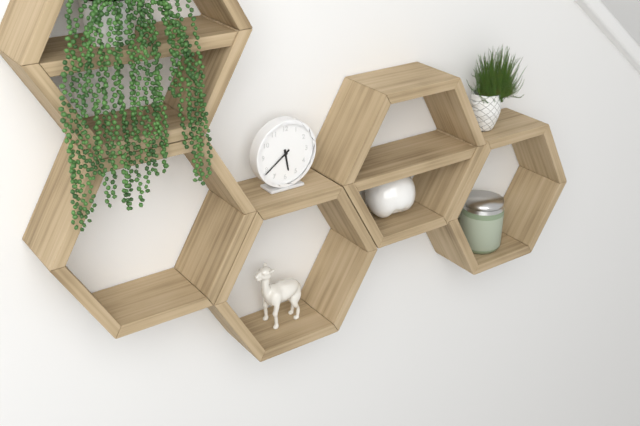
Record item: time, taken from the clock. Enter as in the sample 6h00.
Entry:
5h39
